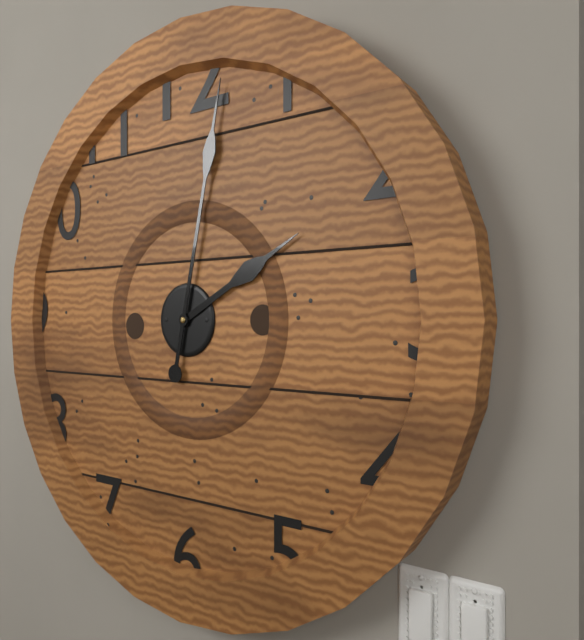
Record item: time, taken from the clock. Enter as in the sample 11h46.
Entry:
2h02
